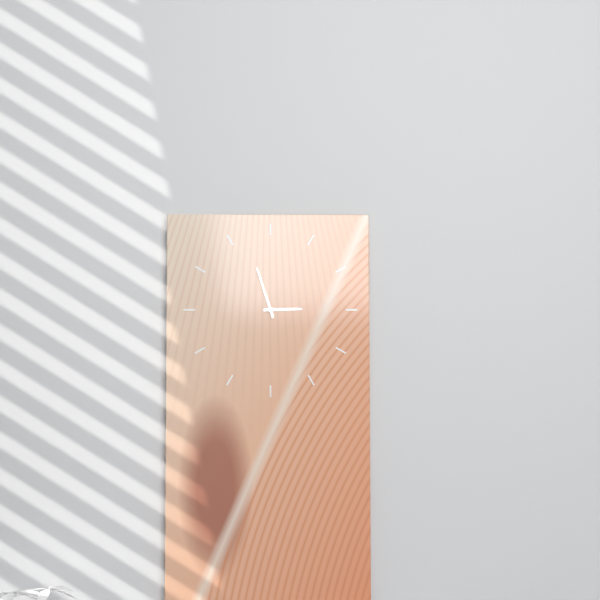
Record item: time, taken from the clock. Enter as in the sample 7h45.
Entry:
2h57
